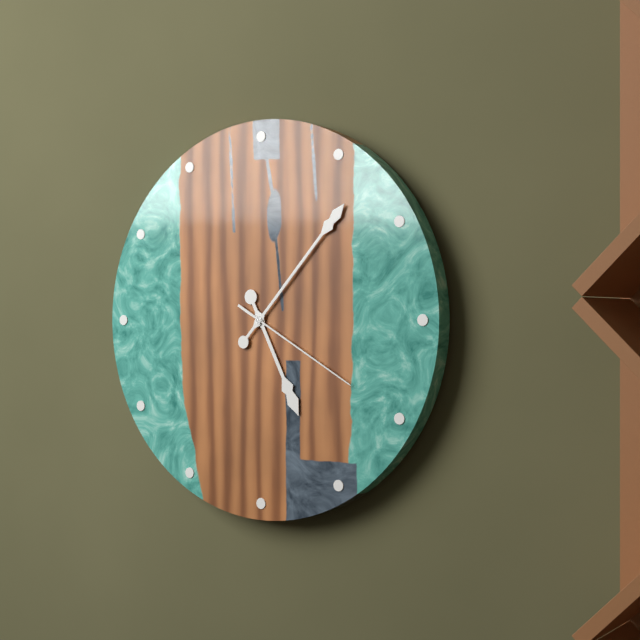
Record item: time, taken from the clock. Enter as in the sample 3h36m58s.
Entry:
5h07m20s
